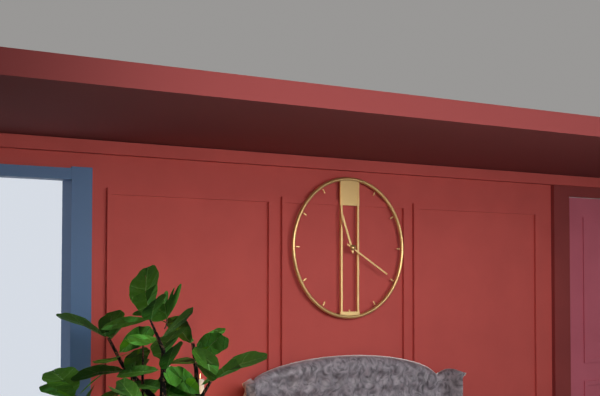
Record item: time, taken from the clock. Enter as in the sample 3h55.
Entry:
11h20
